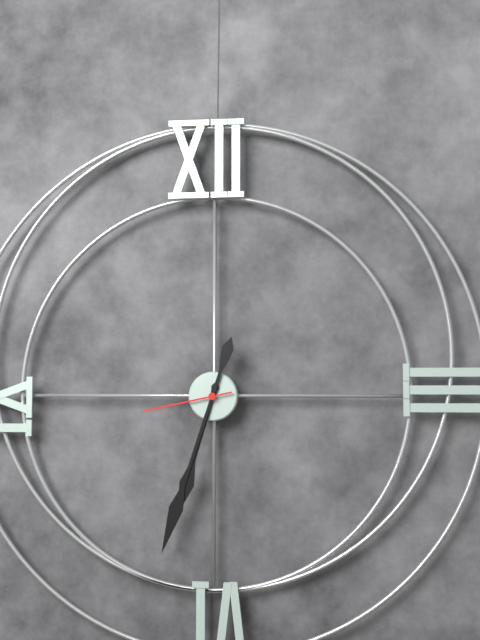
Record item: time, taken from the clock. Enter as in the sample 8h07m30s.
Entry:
6h33m43s
